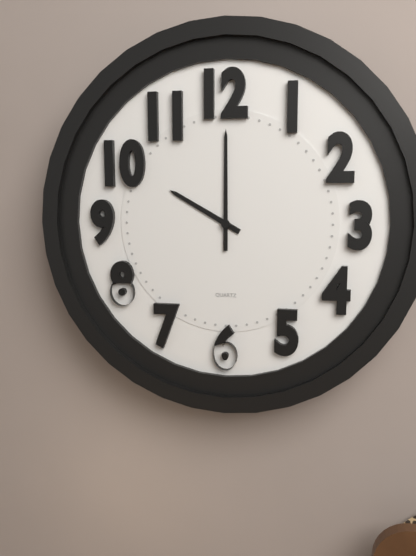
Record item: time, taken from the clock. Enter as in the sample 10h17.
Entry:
10h00
